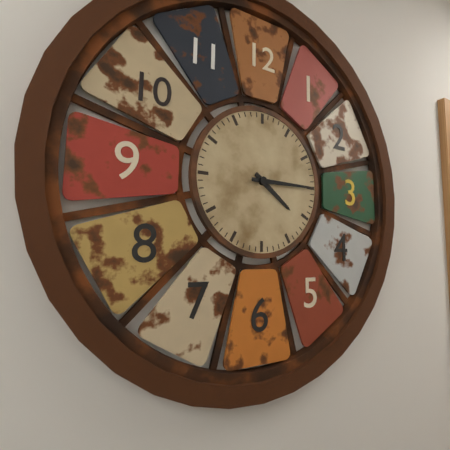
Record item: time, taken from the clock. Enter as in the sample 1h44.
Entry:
4h15
